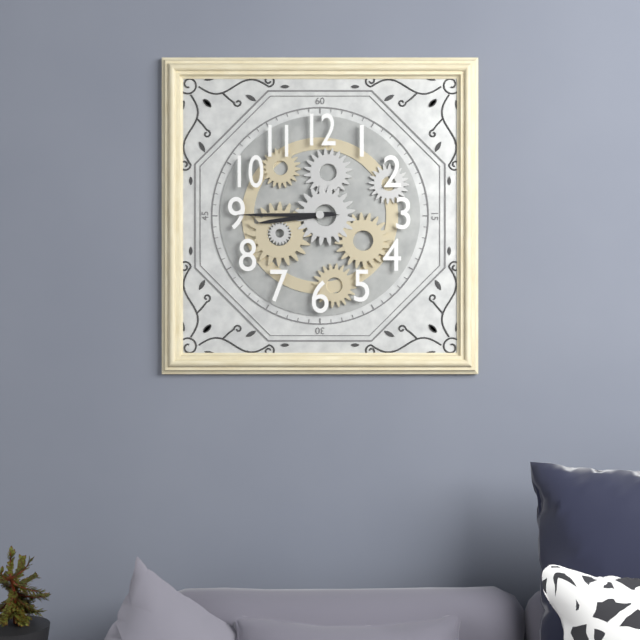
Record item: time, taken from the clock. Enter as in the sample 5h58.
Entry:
8h45
